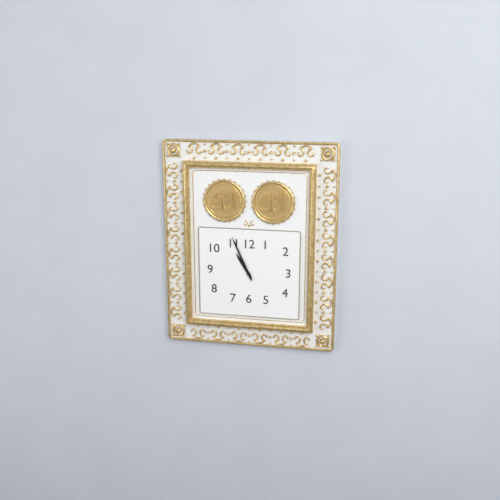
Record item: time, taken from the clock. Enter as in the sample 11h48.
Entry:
10h56
